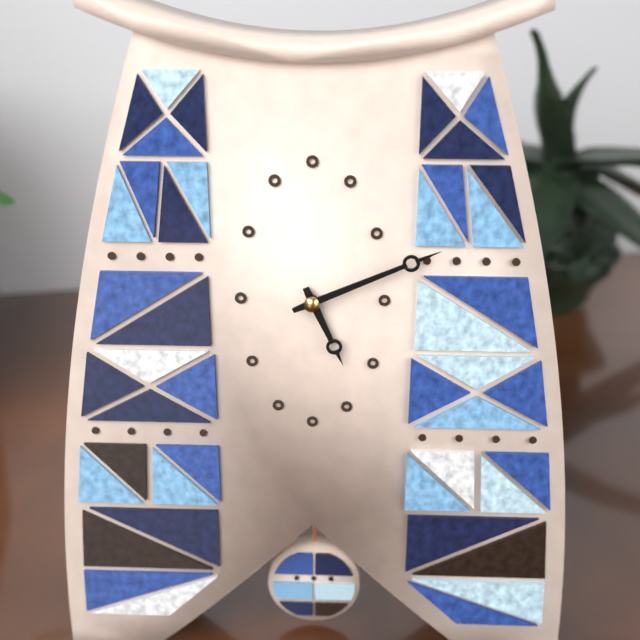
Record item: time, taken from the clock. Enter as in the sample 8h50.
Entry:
5h11
